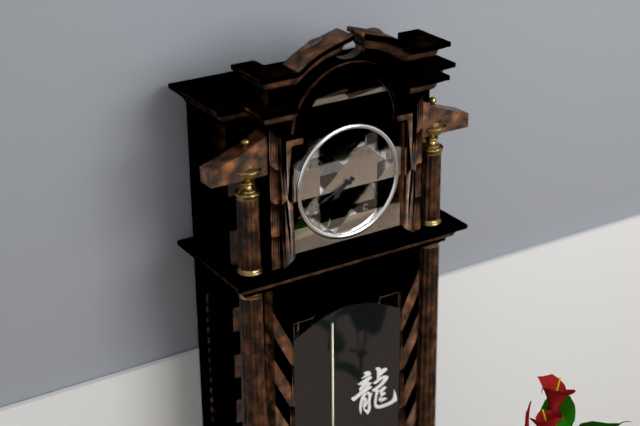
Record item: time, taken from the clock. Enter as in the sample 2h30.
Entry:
7h41
